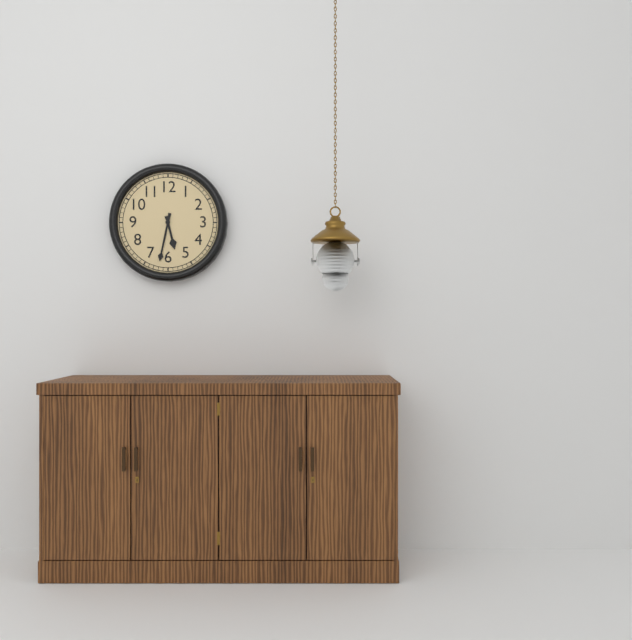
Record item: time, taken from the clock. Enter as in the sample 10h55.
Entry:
5h32
